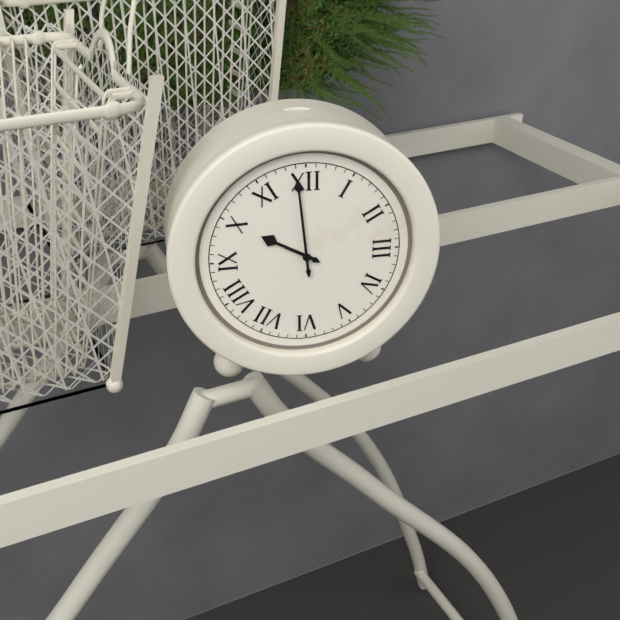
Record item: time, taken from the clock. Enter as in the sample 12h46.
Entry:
9h59
